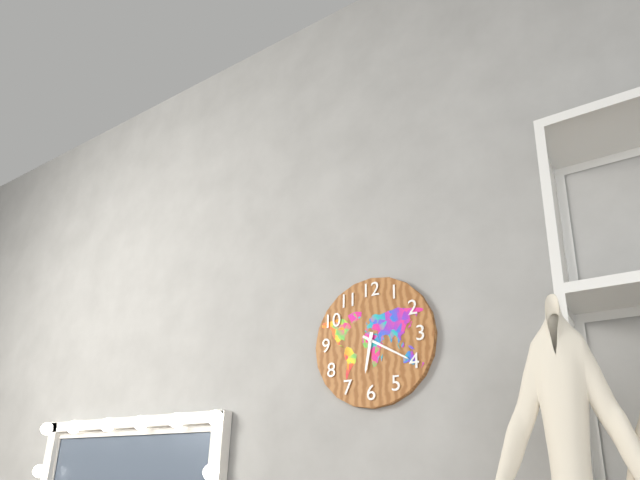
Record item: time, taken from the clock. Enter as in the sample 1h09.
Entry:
6h20
